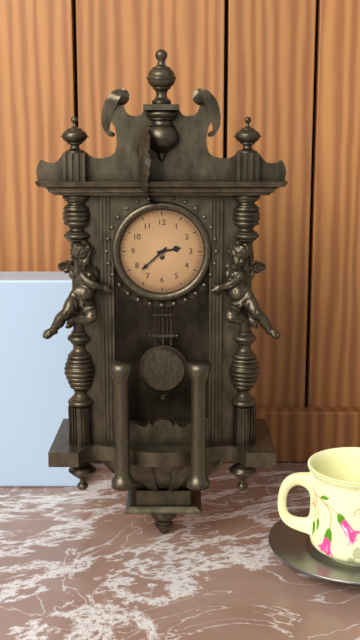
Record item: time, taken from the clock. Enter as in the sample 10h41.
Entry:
2h38
